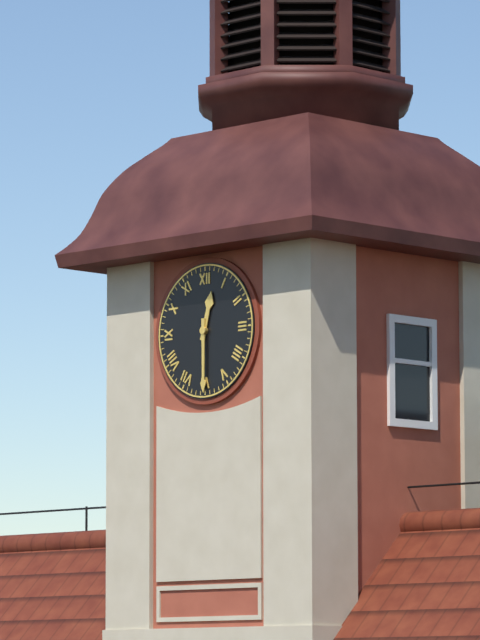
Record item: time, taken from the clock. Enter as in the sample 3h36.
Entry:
12h30
